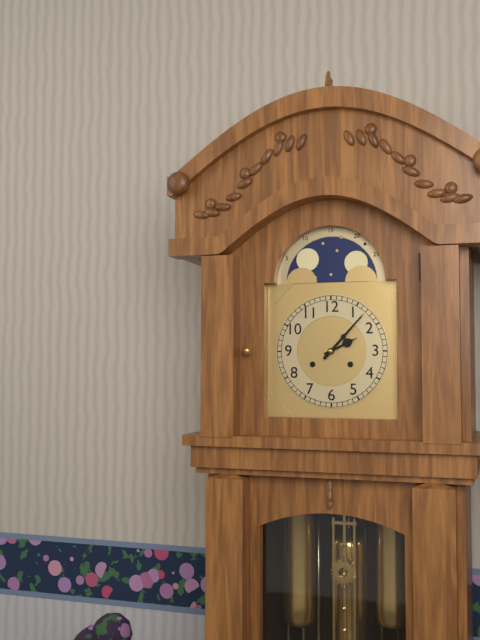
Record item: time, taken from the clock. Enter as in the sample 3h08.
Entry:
2h07
